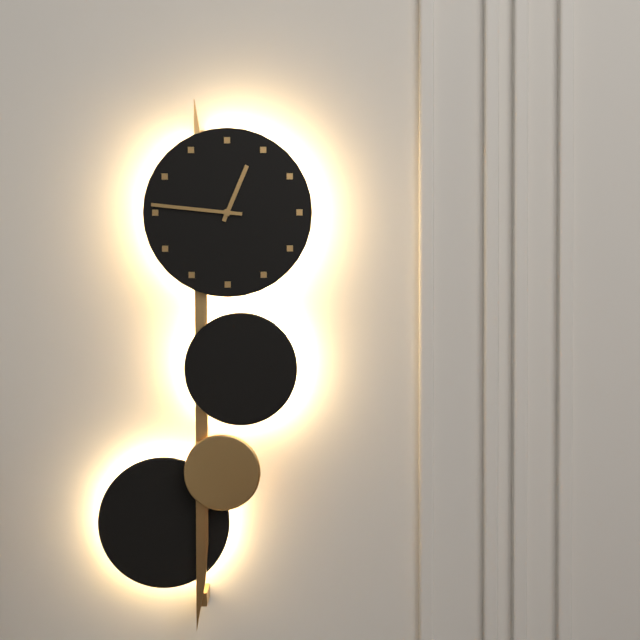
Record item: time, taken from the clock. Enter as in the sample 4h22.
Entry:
12h46
